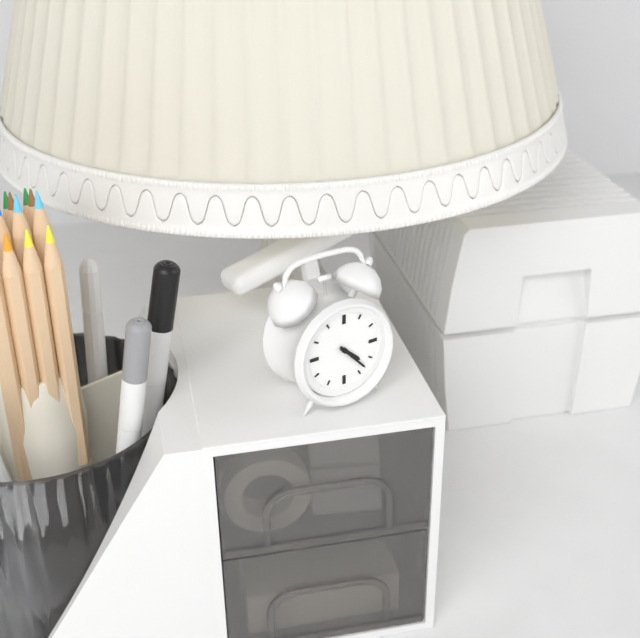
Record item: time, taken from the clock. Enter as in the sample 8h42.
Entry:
4h23
